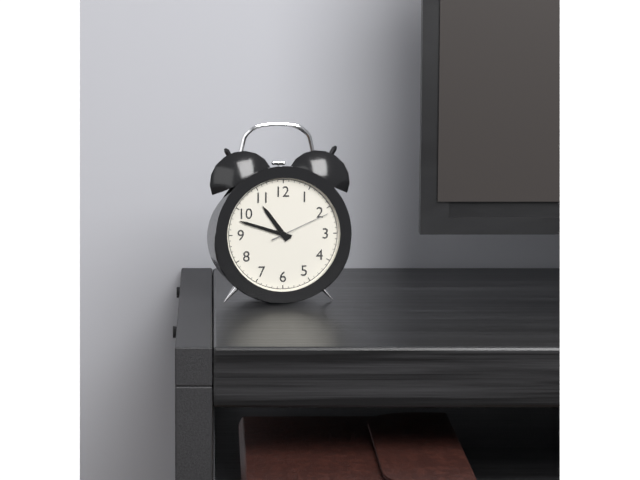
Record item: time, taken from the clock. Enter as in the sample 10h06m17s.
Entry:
10h48m11s
